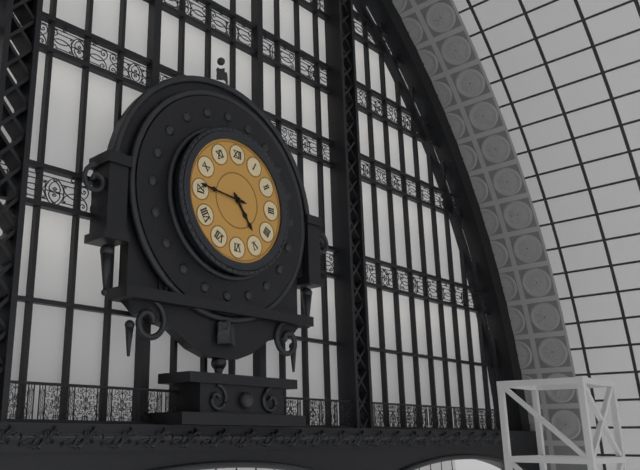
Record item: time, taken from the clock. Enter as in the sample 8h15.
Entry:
4h46
